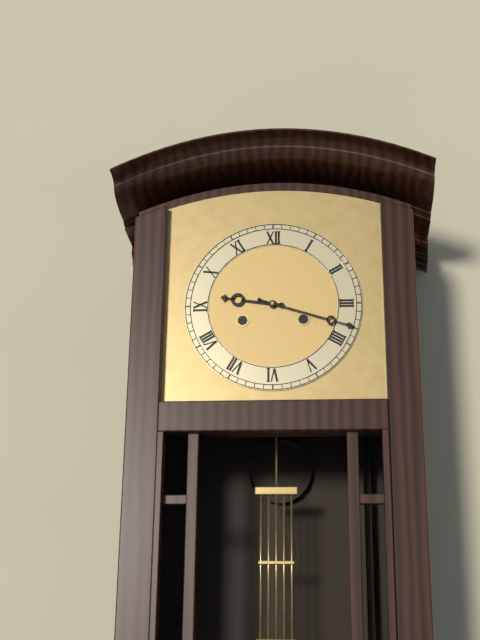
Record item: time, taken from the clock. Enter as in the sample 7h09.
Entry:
9h18
